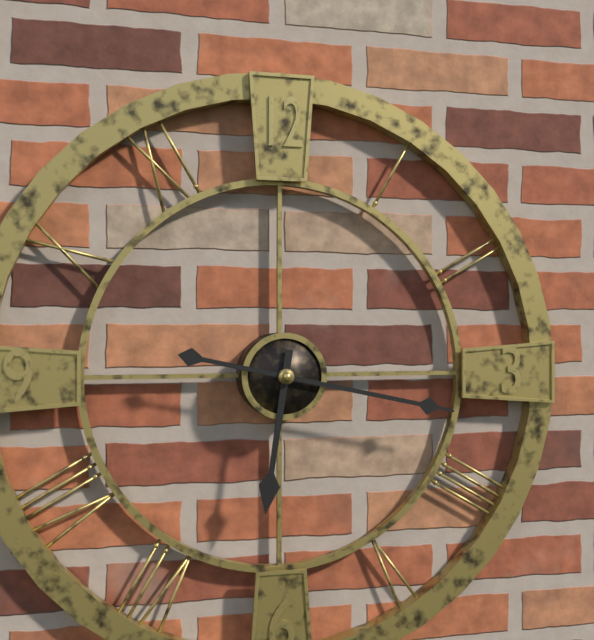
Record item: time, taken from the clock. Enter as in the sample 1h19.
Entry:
6h17
